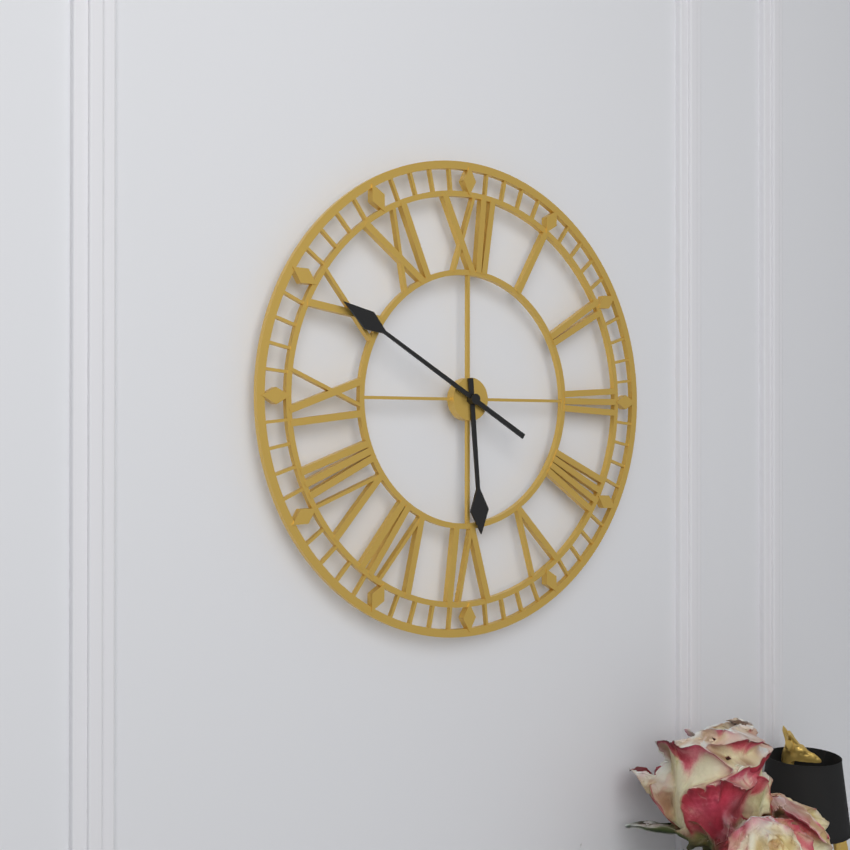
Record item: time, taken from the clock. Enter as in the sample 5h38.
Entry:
5h50
